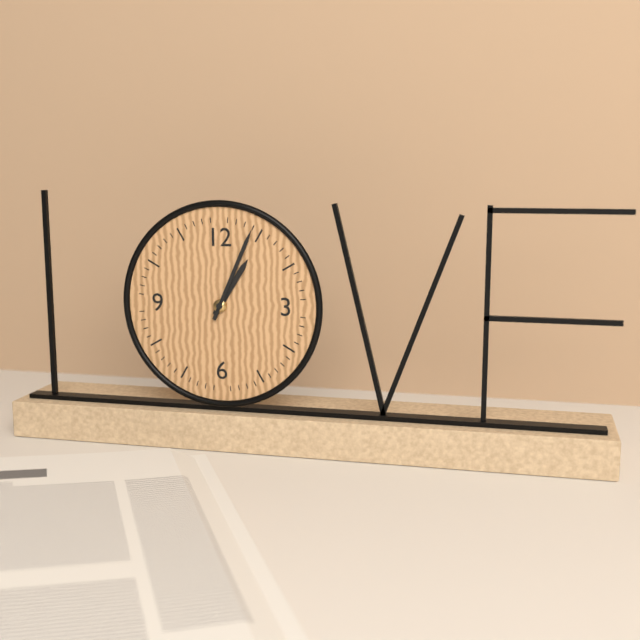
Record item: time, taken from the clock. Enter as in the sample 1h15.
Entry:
1h04
